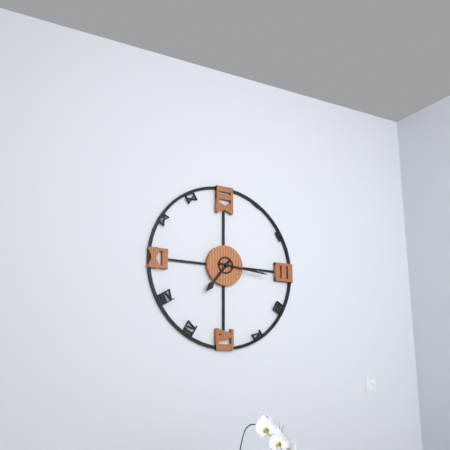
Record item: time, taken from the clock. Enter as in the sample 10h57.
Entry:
7h16
